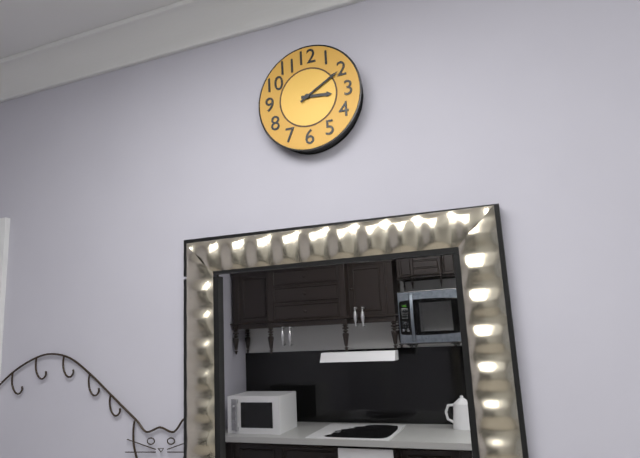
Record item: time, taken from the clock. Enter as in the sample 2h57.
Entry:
3h10
